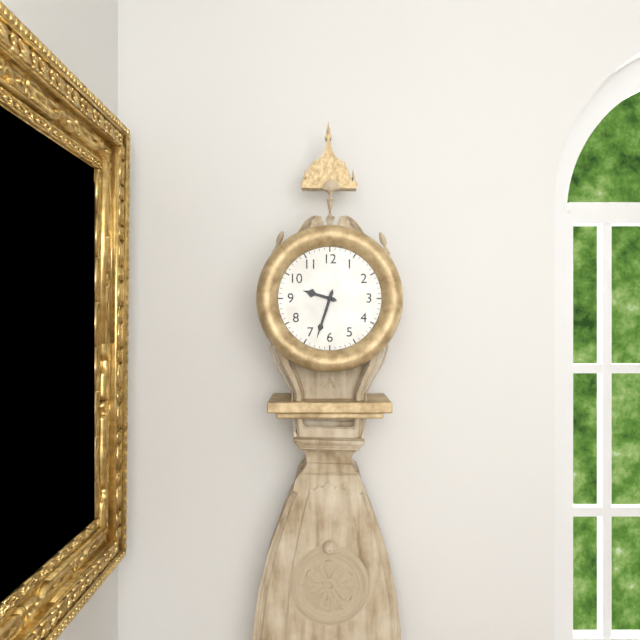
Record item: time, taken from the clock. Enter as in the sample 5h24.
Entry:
9h33
